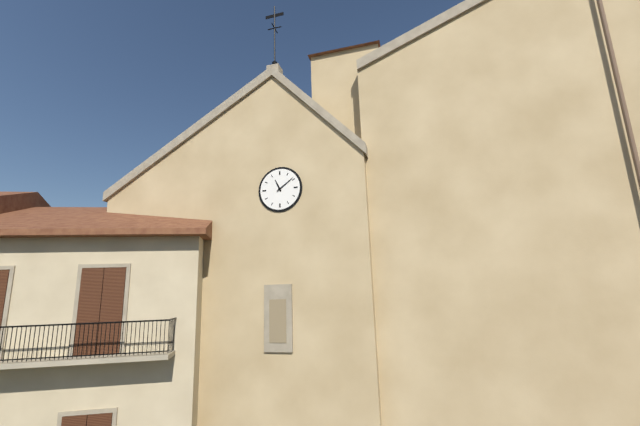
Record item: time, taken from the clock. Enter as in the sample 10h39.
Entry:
11h09
